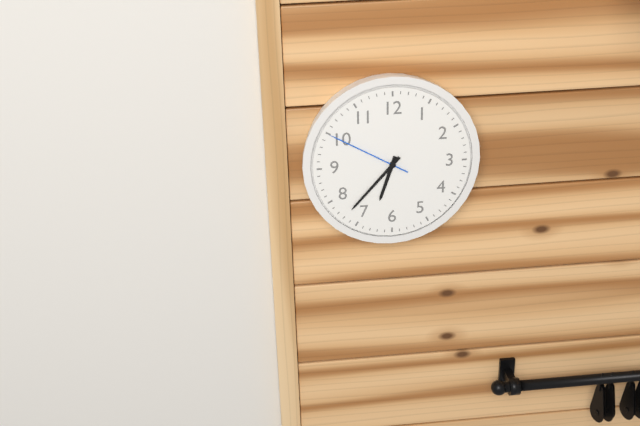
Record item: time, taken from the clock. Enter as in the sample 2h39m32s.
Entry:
6h37m50s
